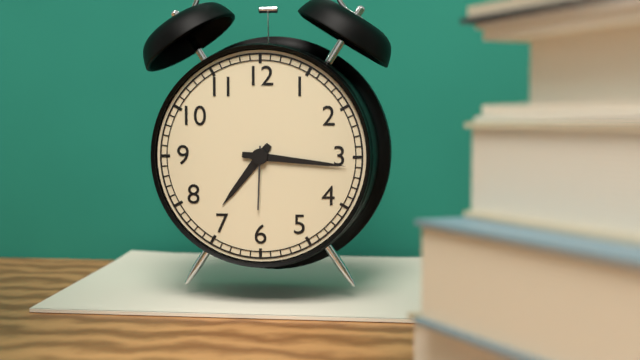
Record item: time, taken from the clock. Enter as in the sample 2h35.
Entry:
7h16
